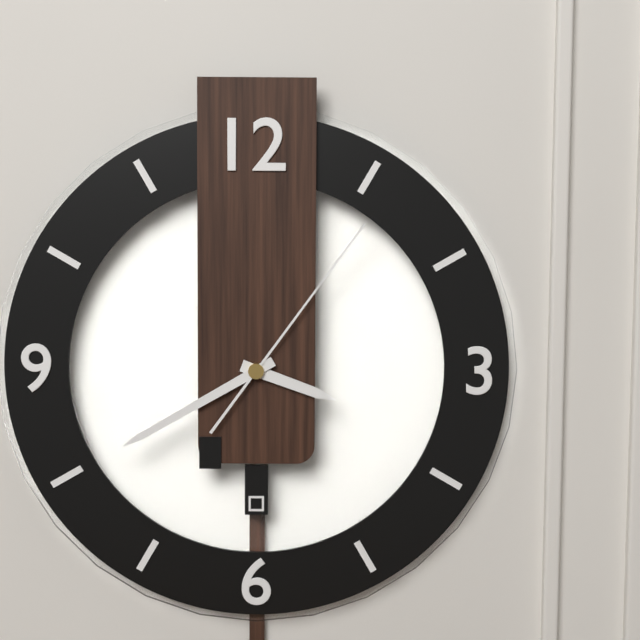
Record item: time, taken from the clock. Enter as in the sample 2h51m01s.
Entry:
3h40m06s
